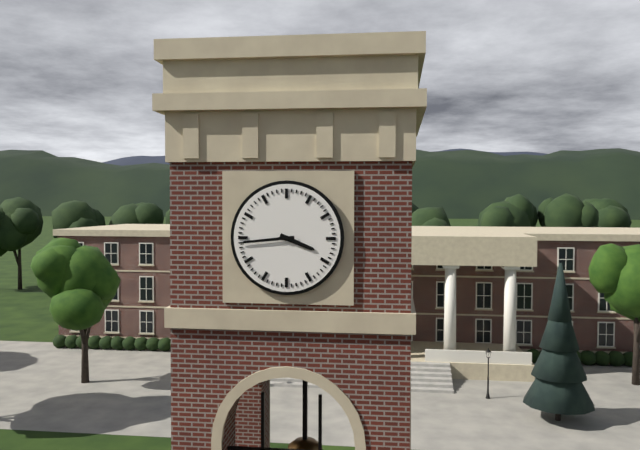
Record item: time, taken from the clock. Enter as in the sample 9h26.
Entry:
3h44
